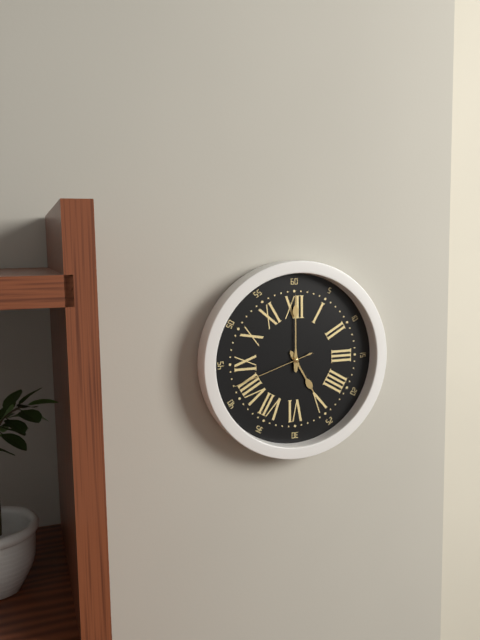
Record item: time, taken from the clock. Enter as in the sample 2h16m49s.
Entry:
5h00m42s
